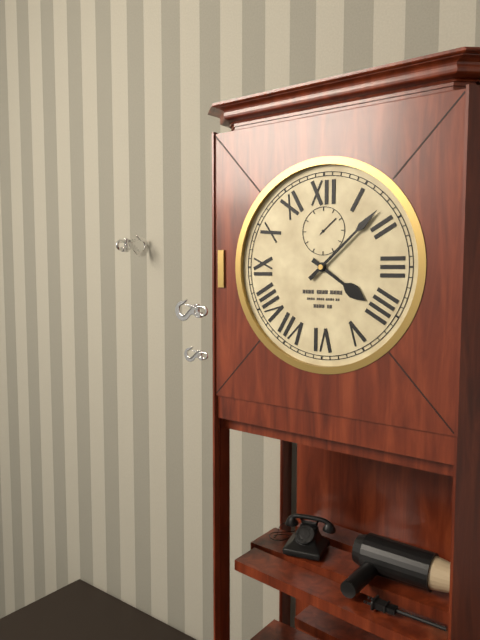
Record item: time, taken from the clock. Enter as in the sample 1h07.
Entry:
4h08
